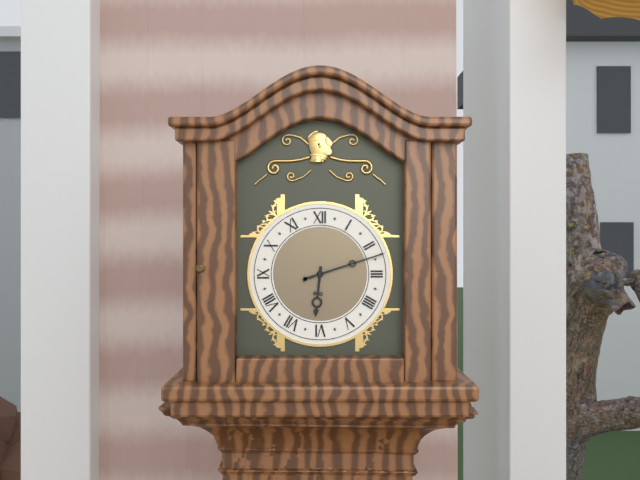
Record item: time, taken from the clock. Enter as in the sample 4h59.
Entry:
6h12
